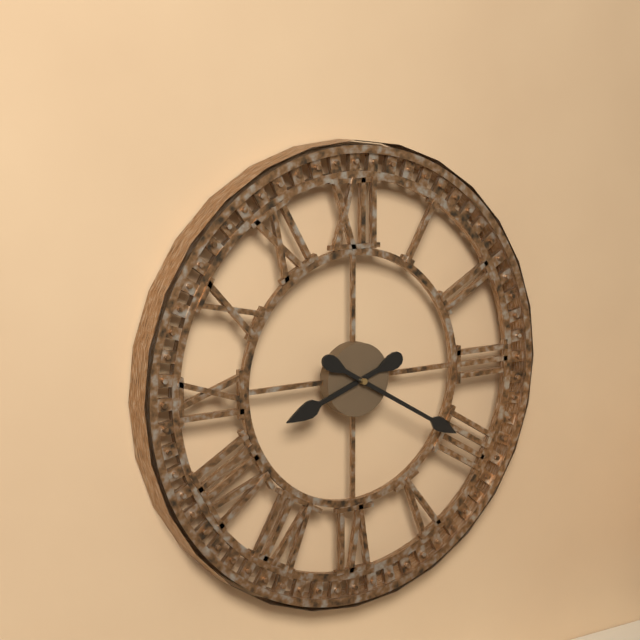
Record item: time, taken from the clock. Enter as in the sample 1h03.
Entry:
8h20
